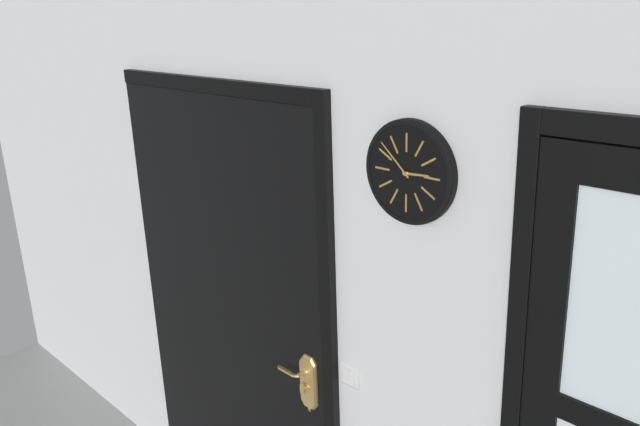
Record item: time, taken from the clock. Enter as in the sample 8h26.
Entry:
2h52
